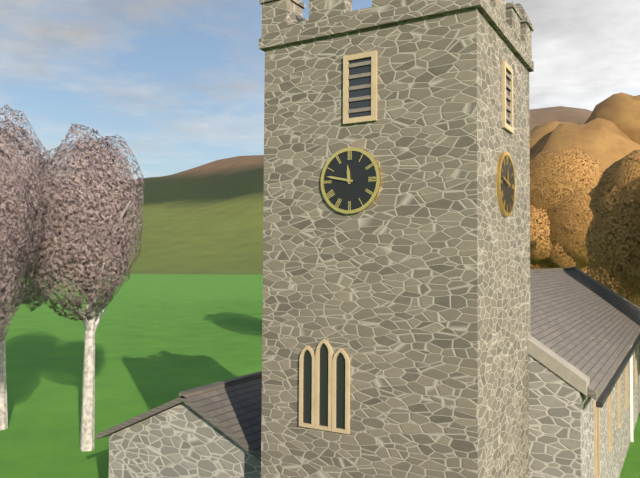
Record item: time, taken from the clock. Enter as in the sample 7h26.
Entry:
11h47
